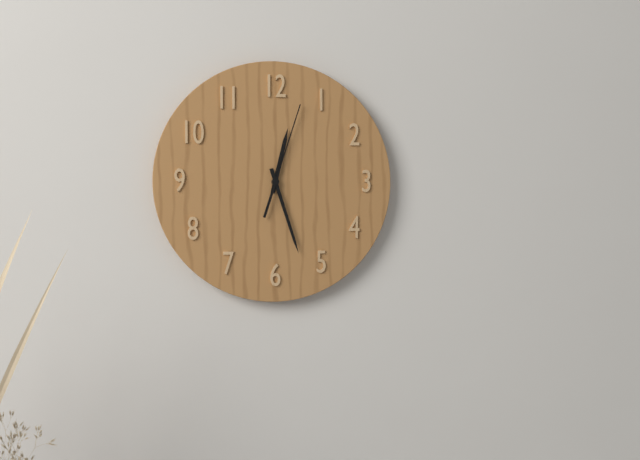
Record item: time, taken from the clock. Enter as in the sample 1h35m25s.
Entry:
12h27m03s
